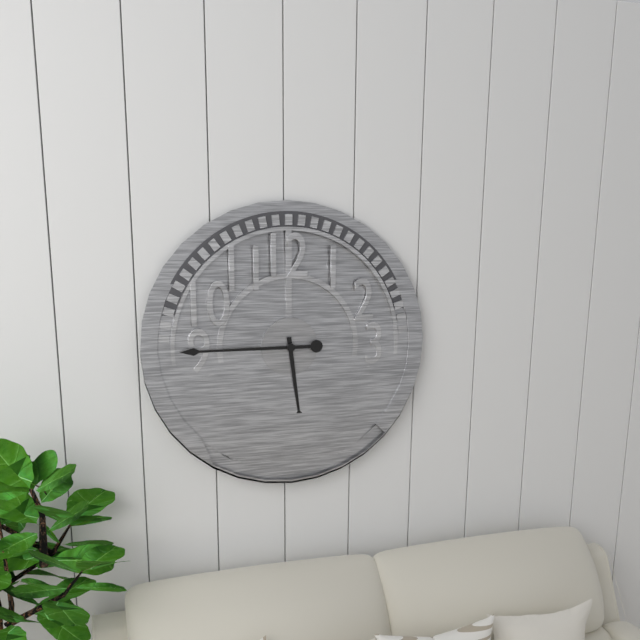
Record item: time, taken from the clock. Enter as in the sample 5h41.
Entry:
5h45
